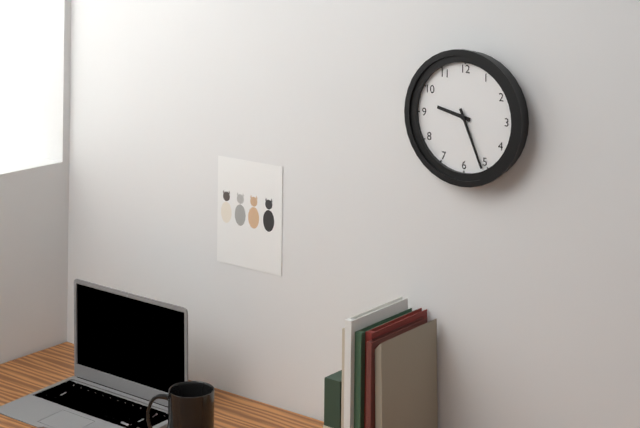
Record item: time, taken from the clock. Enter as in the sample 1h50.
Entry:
9h26
